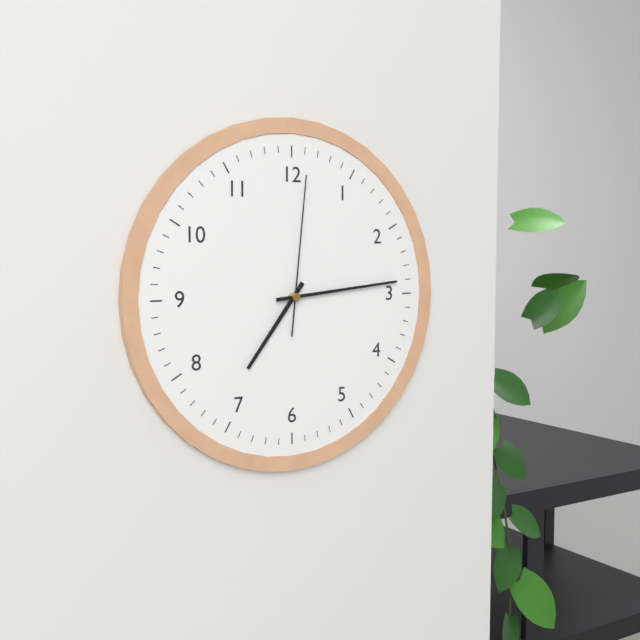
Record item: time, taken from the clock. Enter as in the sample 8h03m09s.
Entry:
7h14m01s
